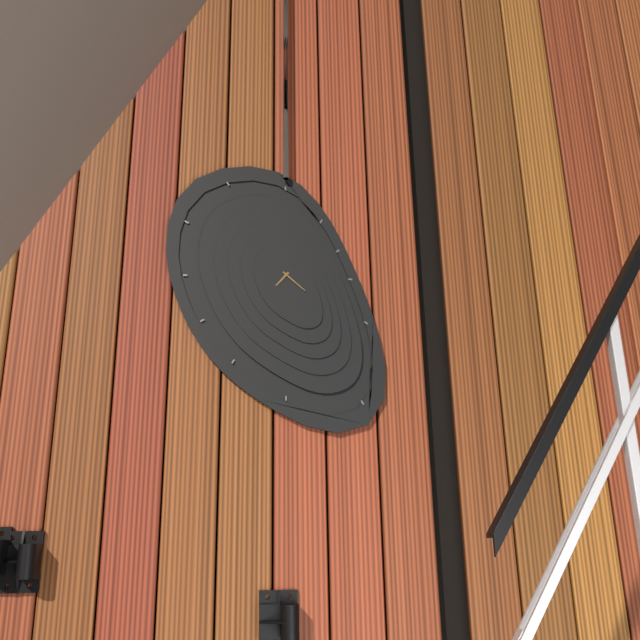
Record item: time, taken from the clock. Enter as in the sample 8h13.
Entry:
7h22
